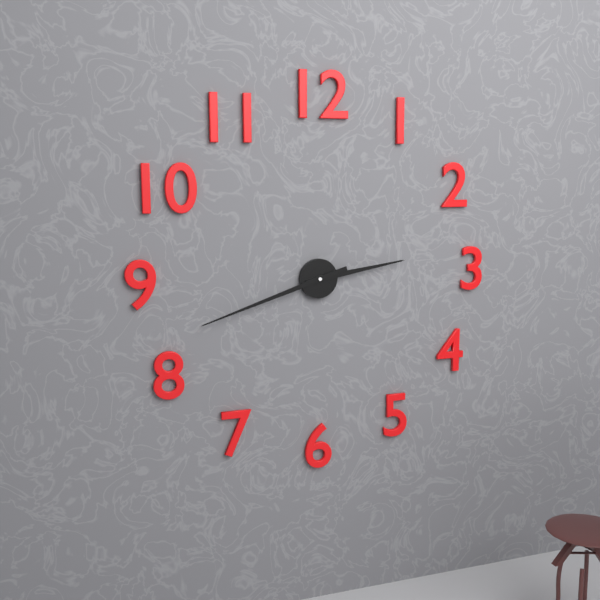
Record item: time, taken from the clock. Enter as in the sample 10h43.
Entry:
2h42
